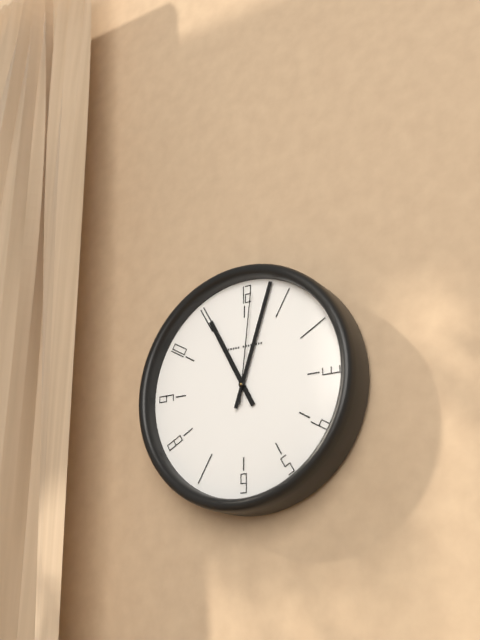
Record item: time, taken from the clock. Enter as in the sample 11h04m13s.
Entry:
11h03m01s
